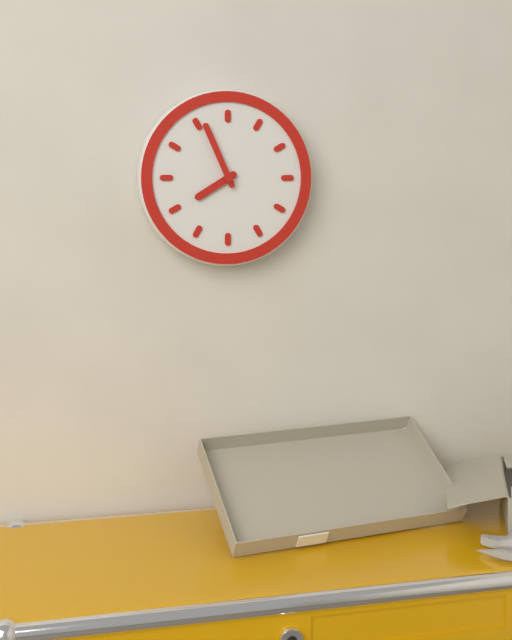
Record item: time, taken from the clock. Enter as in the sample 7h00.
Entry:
7h56
